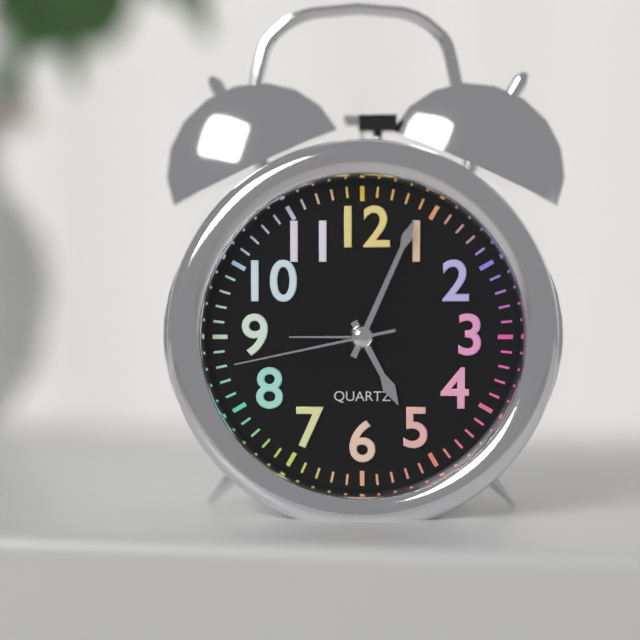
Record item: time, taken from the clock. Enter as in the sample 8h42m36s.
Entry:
5h04m43s
